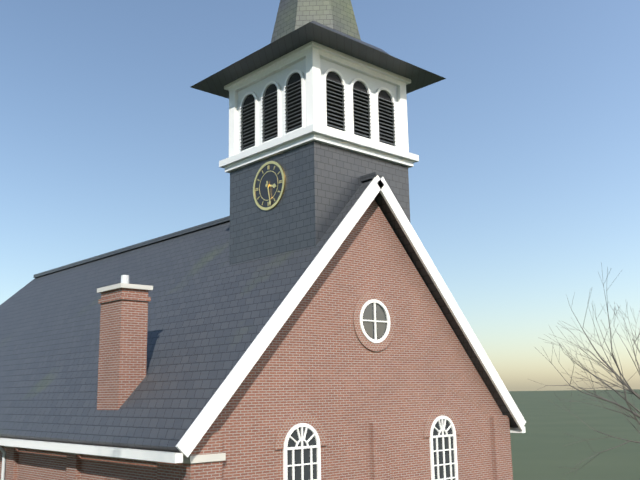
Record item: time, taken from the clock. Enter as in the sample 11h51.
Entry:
3h28
